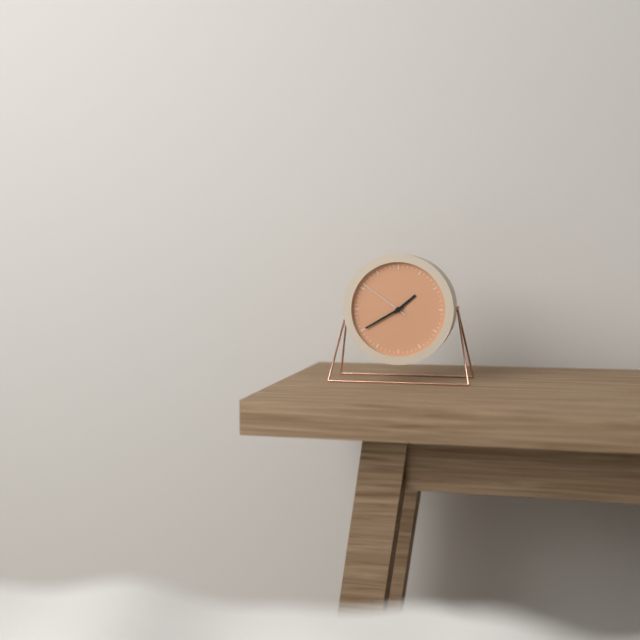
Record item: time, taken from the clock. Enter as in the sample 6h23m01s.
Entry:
1h40m51s
